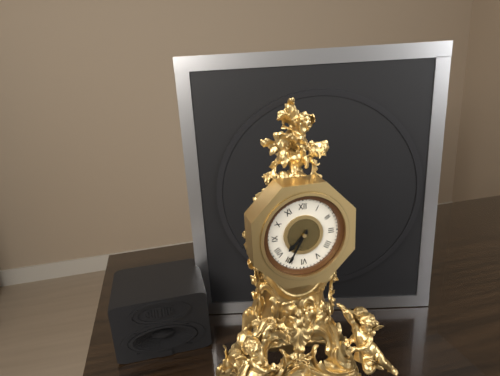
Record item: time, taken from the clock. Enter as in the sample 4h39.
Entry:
7h35
